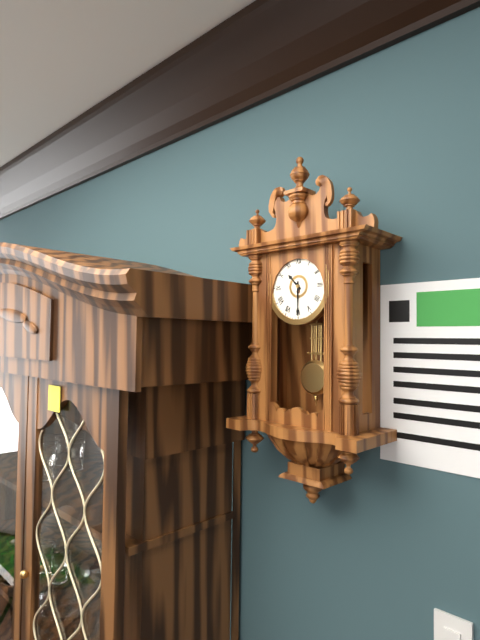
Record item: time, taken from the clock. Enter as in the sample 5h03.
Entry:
10h30
